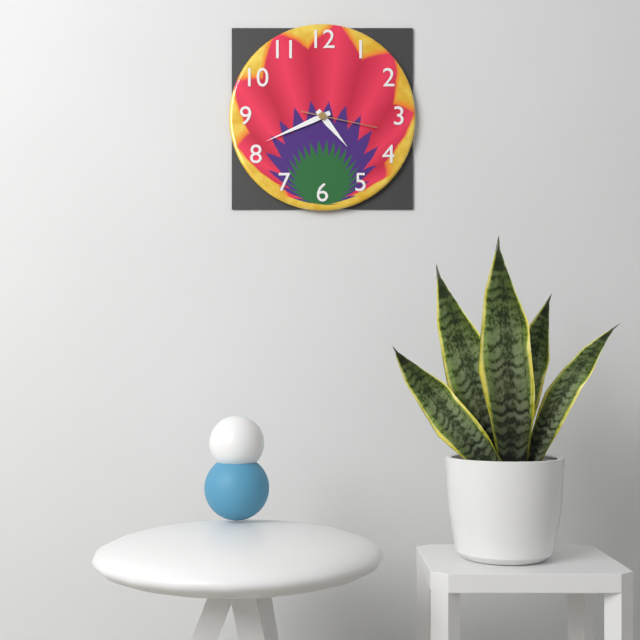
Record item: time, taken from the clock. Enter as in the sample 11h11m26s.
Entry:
4h41m17s
